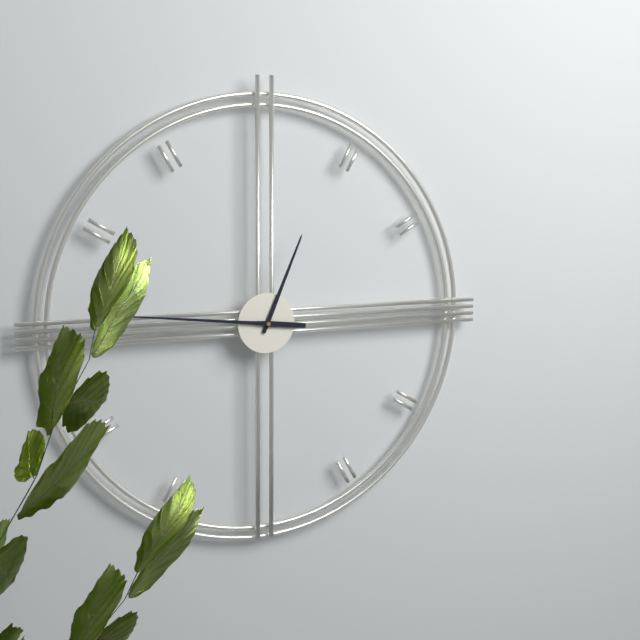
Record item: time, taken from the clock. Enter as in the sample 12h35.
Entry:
12h46
